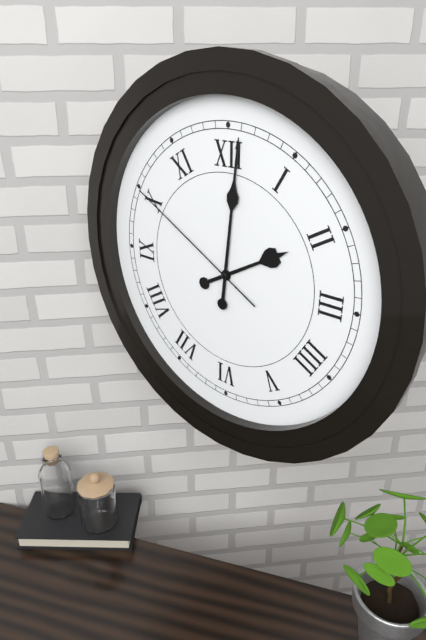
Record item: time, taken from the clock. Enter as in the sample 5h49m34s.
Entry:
2h01m50s
